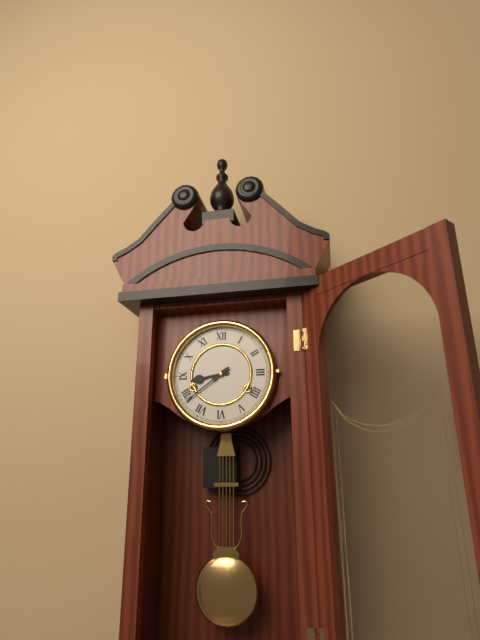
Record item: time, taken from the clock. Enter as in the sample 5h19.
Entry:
8h39
